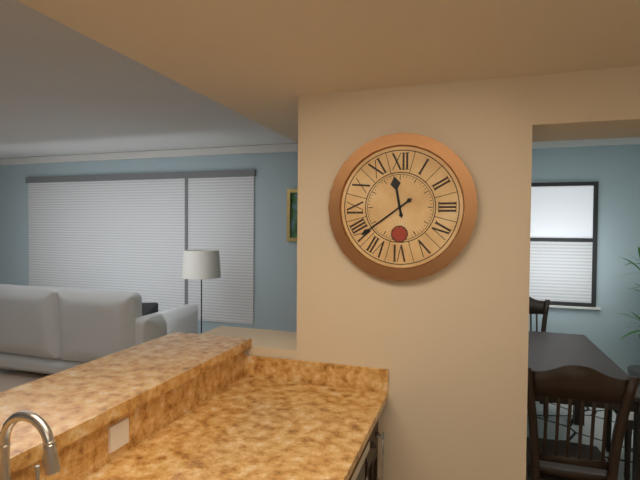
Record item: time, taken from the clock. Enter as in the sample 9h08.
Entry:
11h39
